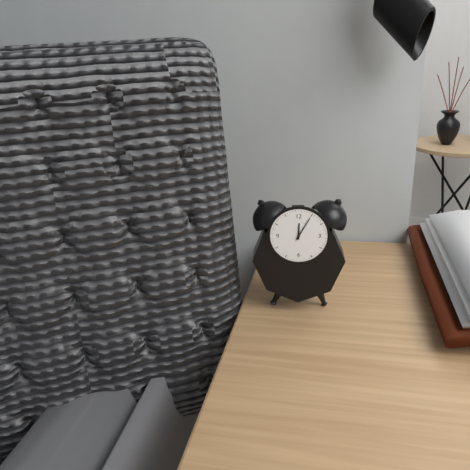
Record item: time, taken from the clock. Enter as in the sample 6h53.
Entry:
12h05
